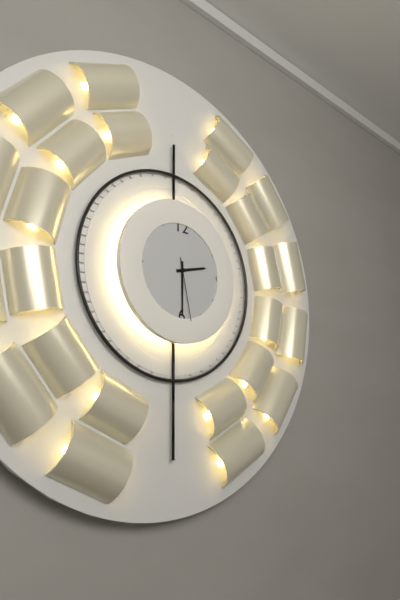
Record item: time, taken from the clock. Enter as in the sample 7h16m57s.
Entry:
2h30m28s
